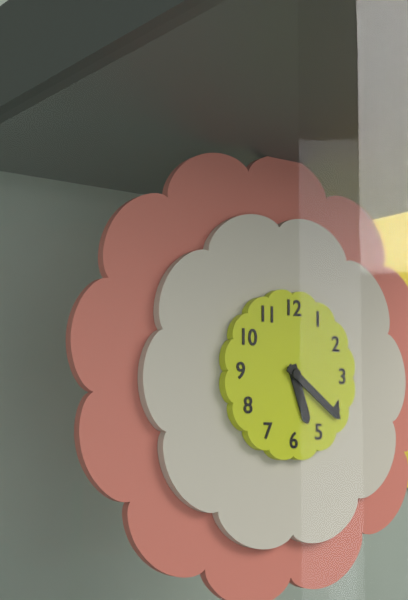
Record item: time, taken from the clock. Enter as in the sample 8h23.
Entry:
5h21
